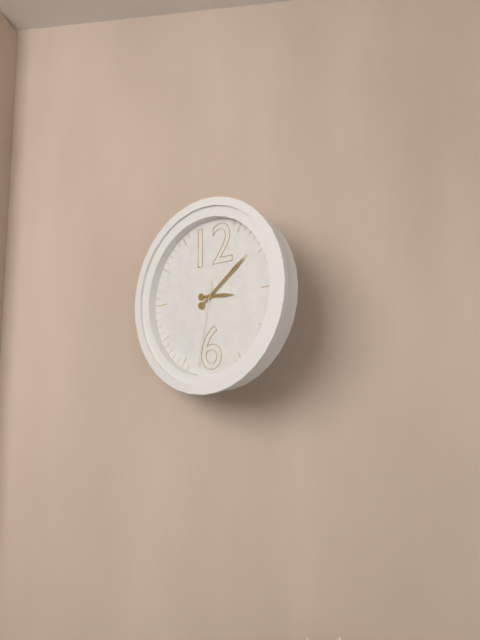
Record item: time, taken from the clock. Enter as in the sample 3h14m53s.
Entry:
3h09m32s
